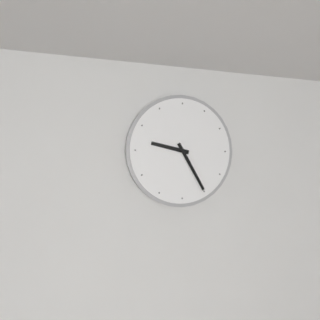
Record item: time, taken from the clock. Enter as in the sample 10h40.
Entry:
9h25
